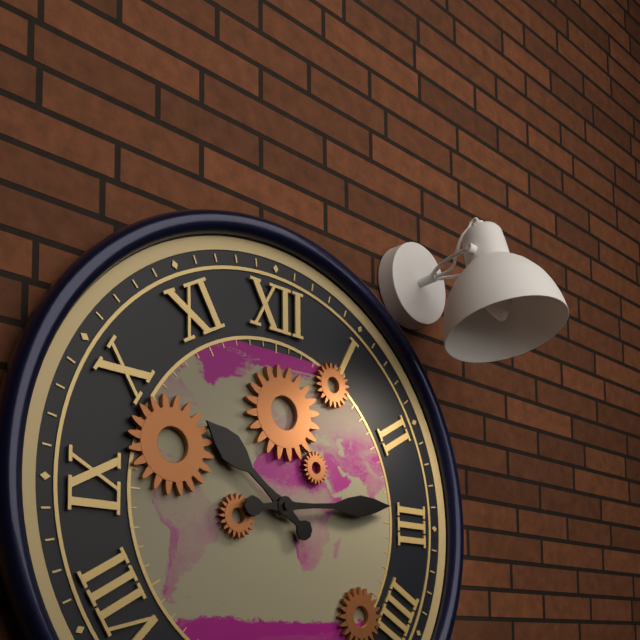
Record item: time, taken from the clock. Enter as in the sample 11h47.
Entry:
10h14
